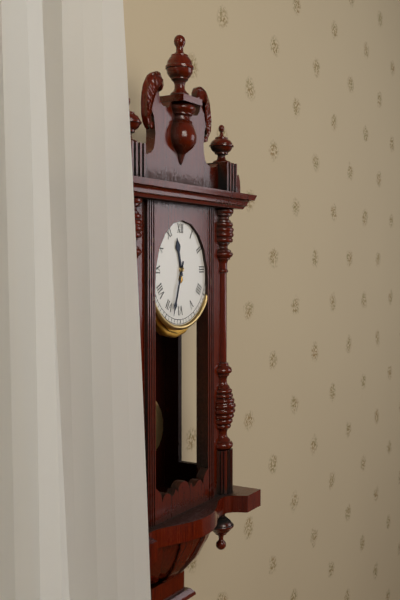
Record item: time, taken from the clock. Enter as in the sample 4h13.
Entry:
11h33
